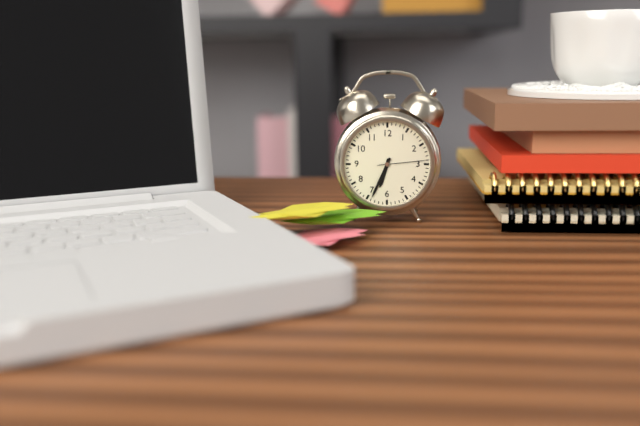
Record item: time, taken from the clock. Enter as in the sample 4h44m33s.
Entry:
6h34m14s
